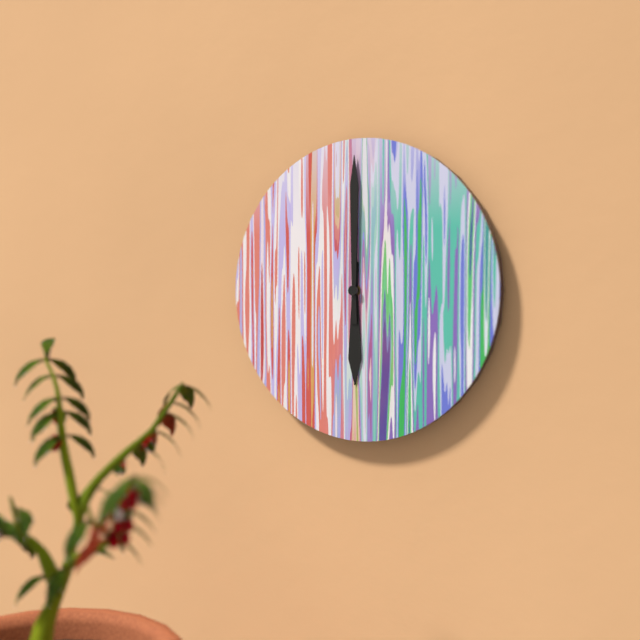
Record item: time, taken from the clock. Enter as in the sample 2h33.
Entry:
6h00
